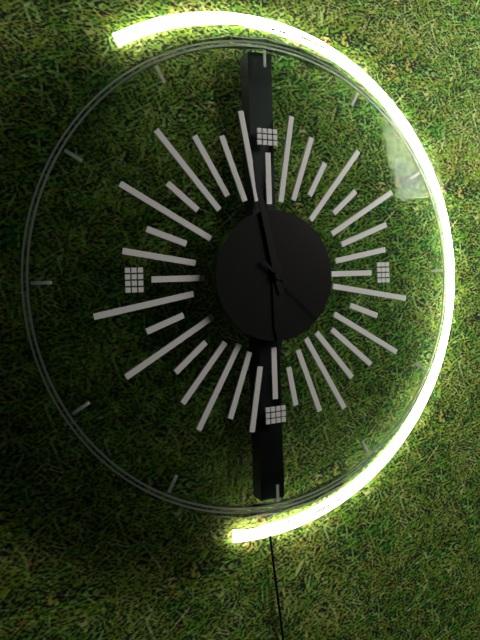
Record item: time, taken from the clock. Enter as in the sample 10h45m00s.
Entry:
5h58m22s
